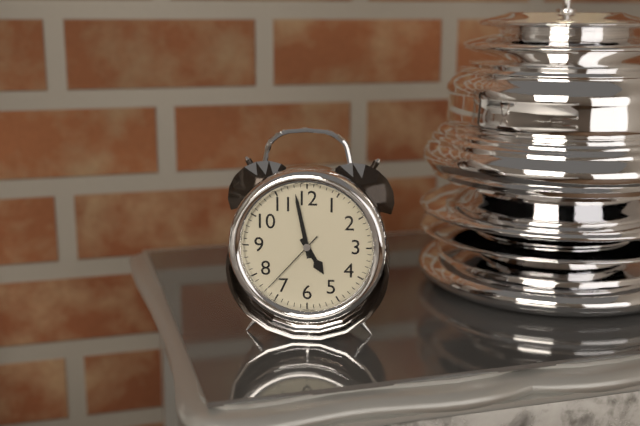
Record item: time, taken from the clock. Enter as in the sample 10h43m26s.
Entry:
4h58m37s
